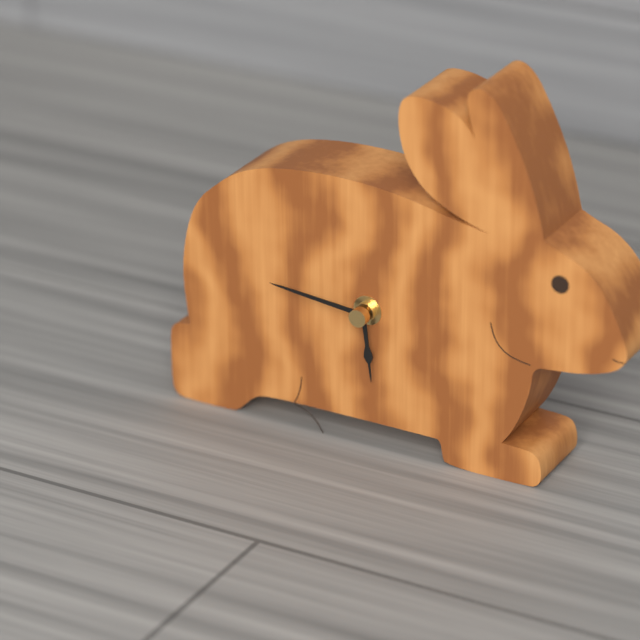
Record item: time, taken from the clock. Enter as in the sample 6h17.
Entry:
5h46
